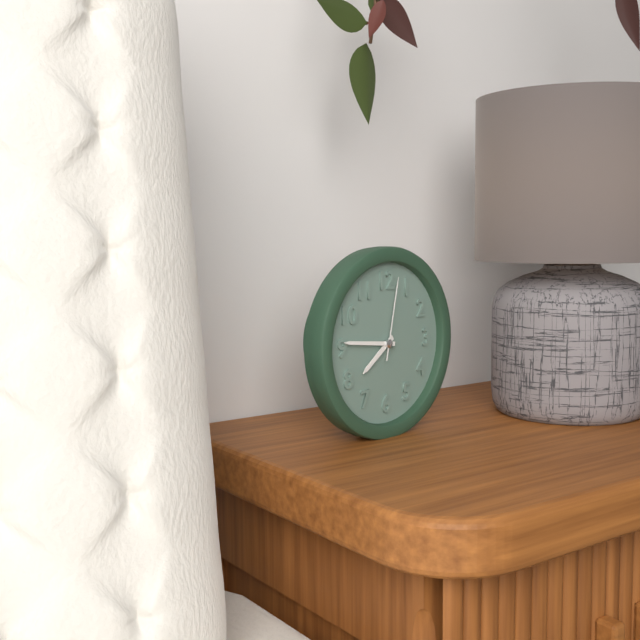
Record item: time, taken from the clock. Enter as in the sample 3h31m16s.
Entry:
7h46m02s
